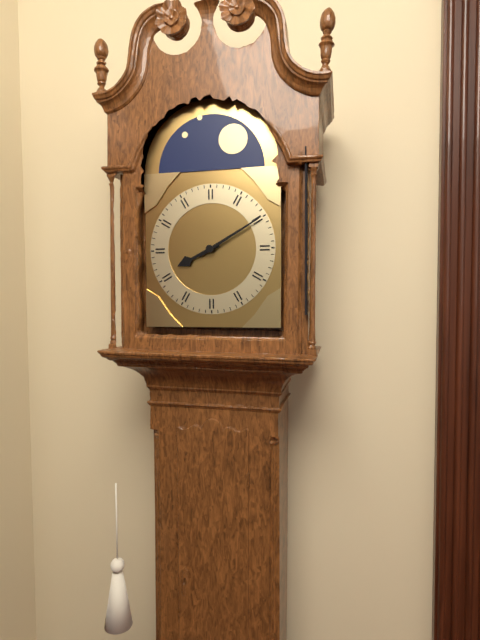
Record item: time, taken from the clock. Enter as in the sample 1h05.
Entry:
8h10
